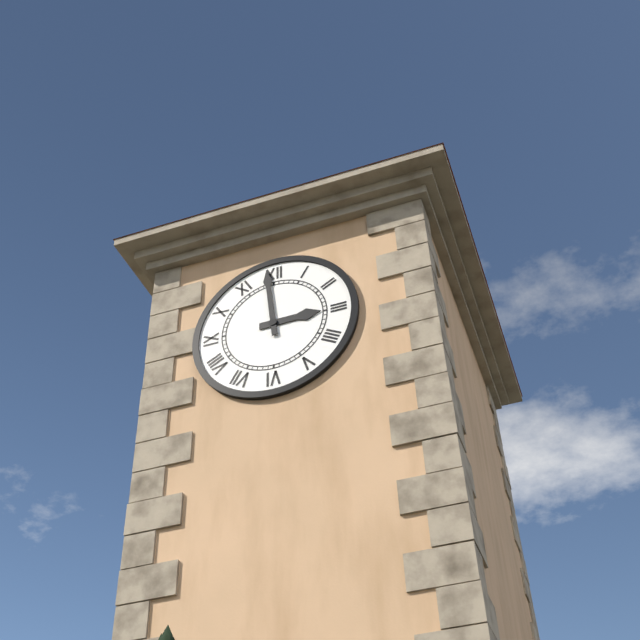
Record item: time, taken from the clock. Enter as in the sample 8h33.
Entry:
2h59
